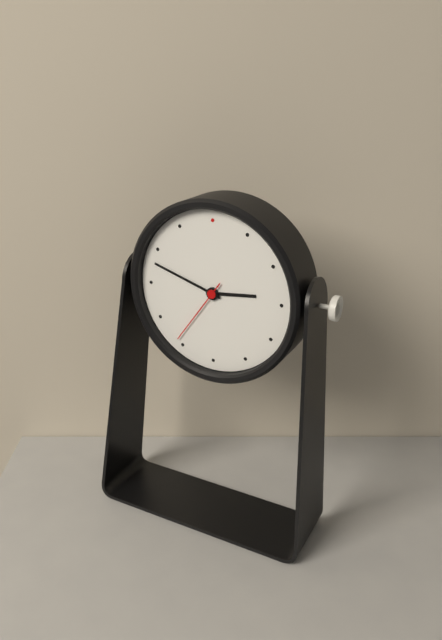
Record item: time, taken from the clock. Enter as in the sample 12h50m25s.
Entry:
2h48m36s
